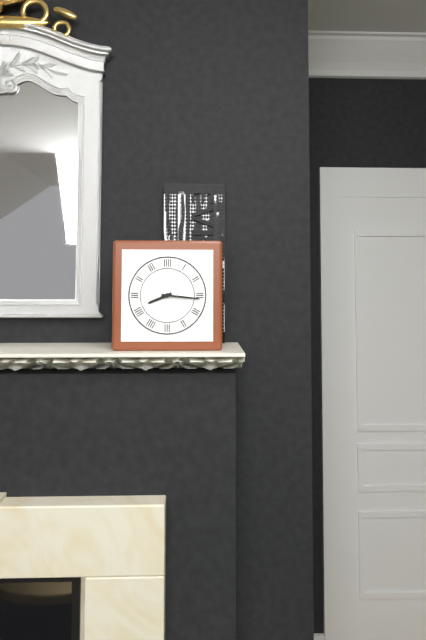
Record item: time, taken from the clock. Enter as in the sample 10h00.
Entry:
8h16
